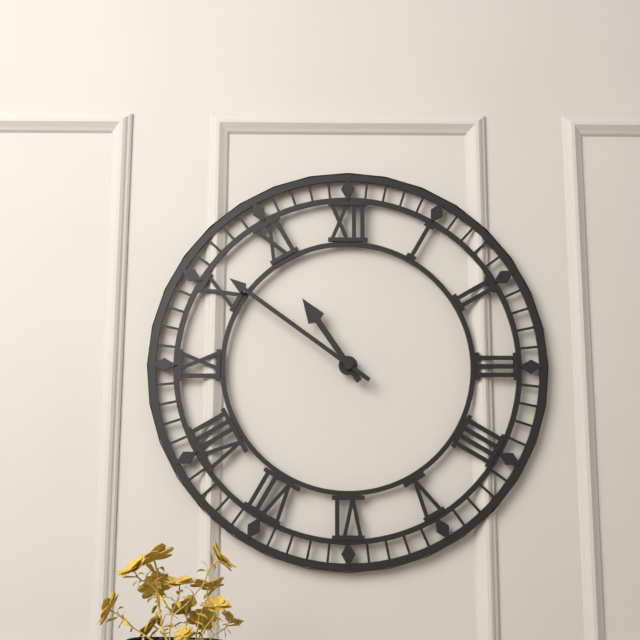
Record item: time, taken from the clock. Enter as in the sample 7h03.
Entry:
10h51
